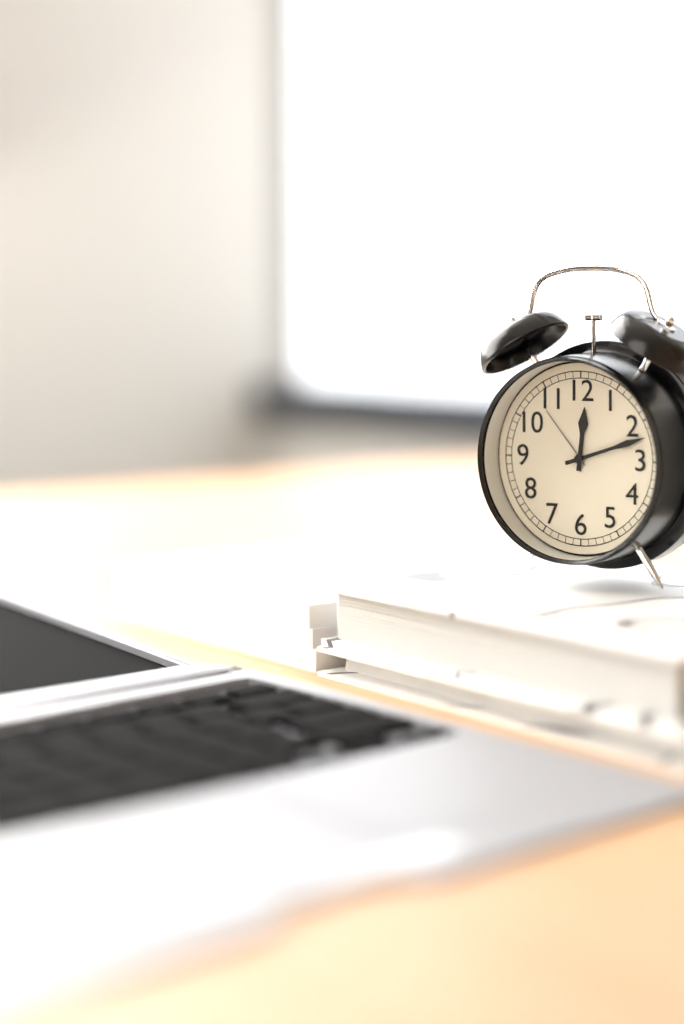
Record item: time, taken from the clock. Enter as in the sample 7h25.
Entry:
12h12
